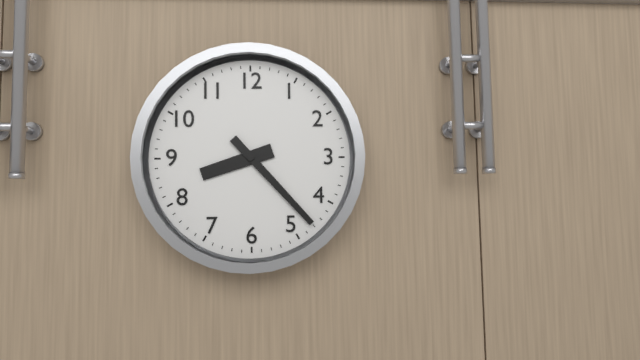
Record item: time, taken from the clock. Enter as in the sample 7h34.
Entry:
8h23
